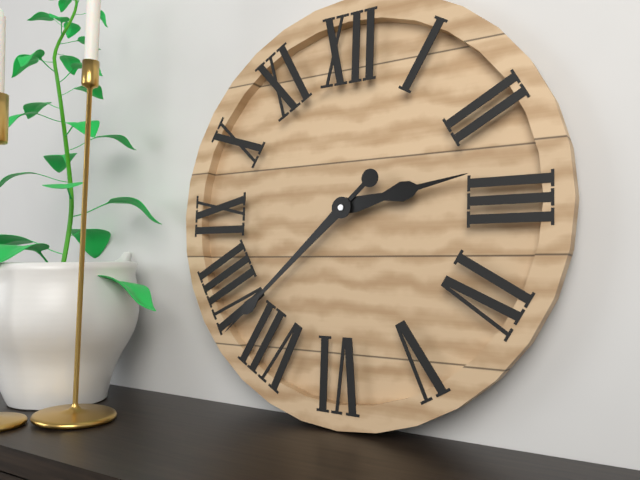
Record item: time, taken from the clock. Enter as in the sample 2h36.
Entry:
2h38
